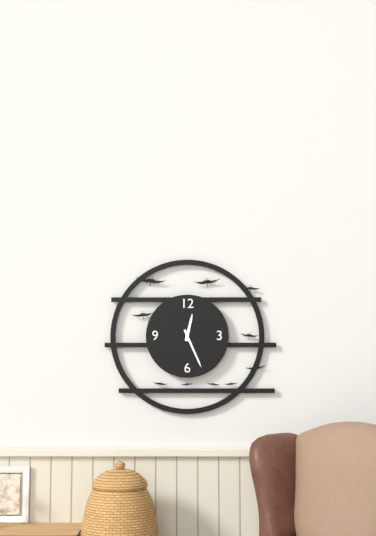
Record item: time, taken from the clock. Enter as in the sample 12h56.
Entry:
12h26
